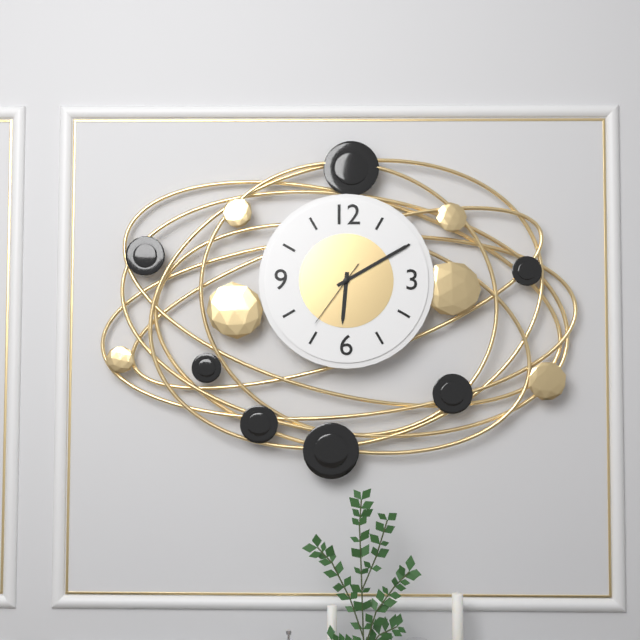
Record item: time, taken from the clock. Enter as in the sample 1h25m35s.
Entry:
6h10m36s
